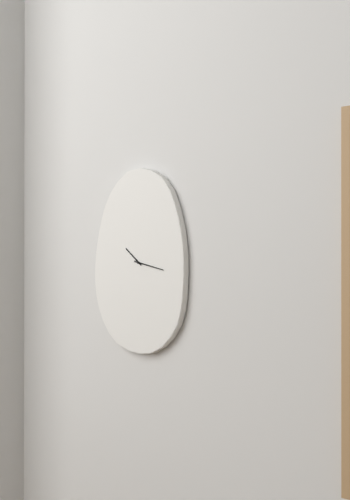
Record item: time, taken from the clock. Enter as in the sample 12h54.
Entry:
10h17
